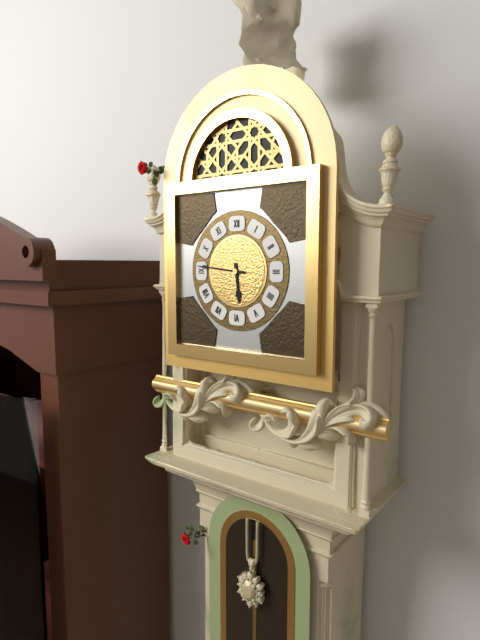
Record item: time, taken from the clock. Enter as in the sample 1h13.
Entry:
5h46
